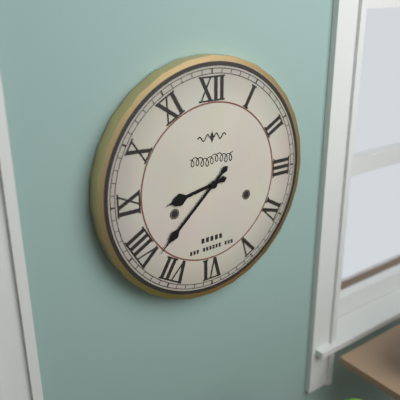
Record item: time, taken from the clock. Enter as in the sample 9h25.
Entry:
8h38
